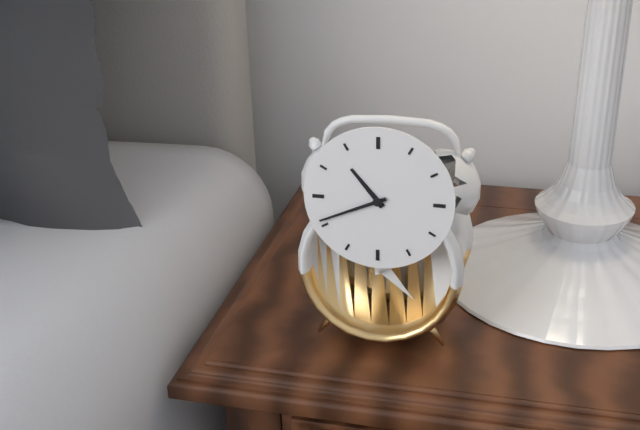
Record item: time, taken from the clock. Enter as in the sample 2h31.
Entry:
10h41
